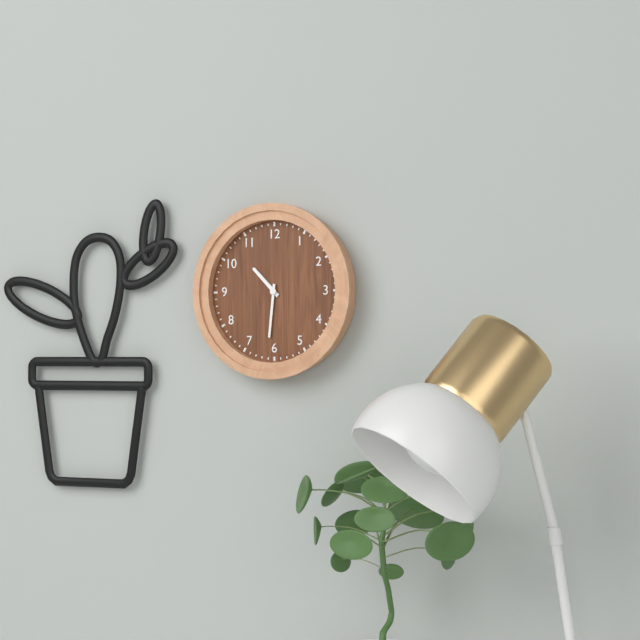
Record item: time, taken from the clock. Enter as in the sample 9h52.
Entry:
10h31
